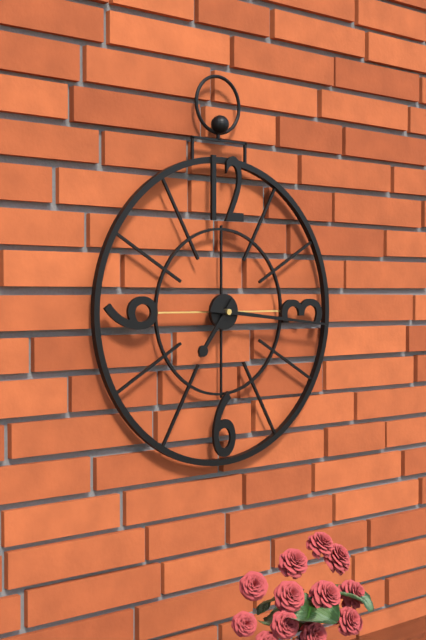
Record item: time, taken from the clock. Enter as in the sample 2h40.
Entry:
7h16
